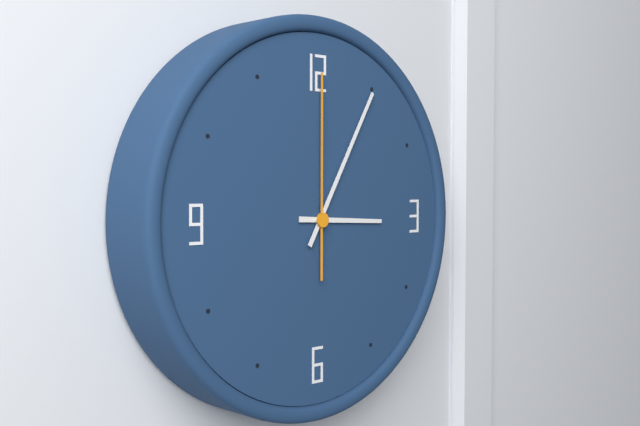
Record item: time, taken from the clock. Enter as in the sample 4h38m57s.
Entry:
3h05m00s
